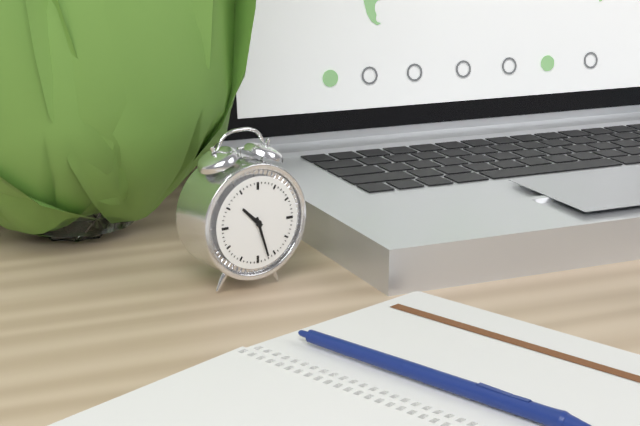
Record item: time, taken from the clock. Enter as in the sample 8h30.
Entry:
10h27
